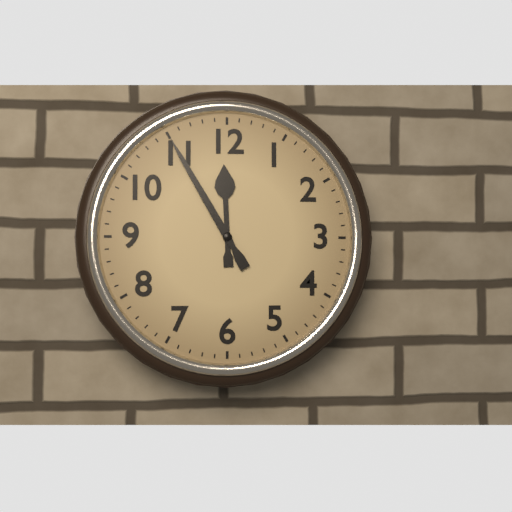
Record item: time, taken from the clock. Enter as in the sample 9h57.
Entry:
11h55
